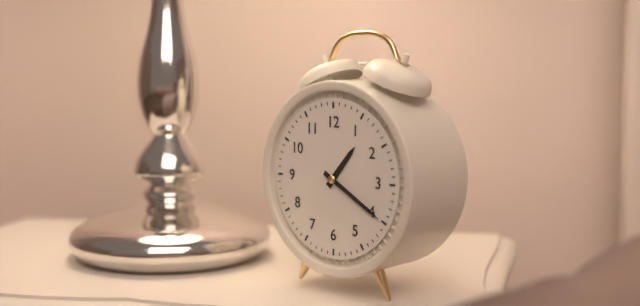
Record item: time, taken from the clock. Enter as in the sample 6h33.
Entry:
1h20
